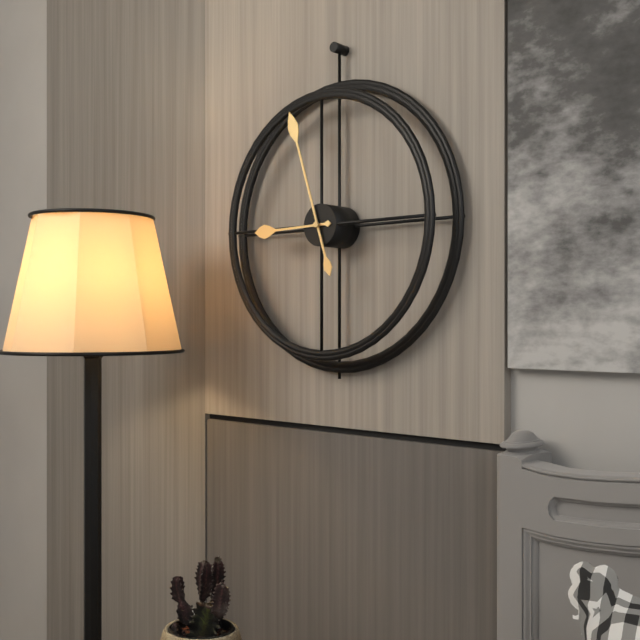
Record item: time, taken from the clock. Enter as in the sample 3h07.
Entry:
8h57
